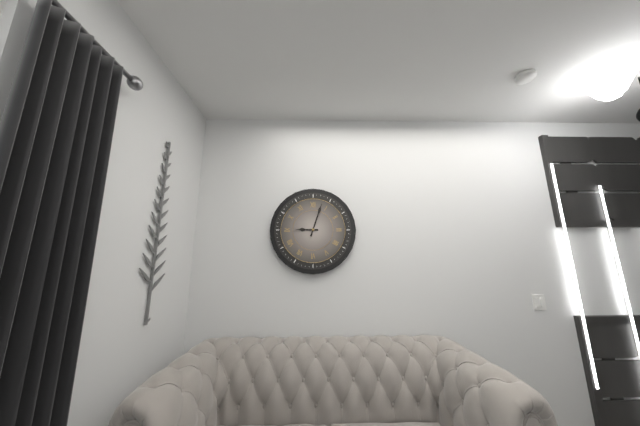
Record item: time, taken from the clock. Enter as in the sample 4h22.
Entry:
9h03
